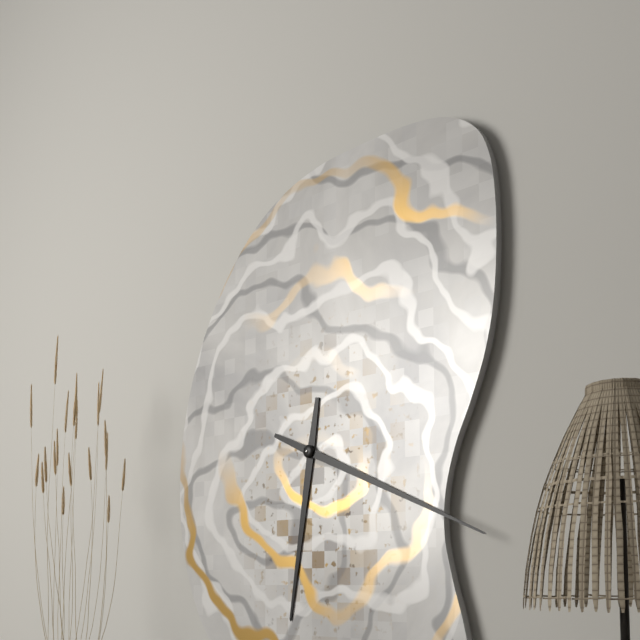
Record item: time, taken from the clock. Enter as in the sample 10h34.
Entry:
6h19
